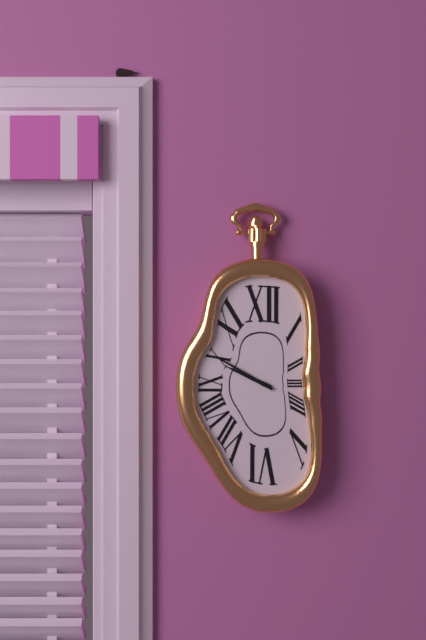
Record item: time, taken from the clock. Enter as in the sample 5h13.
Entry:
9h50
